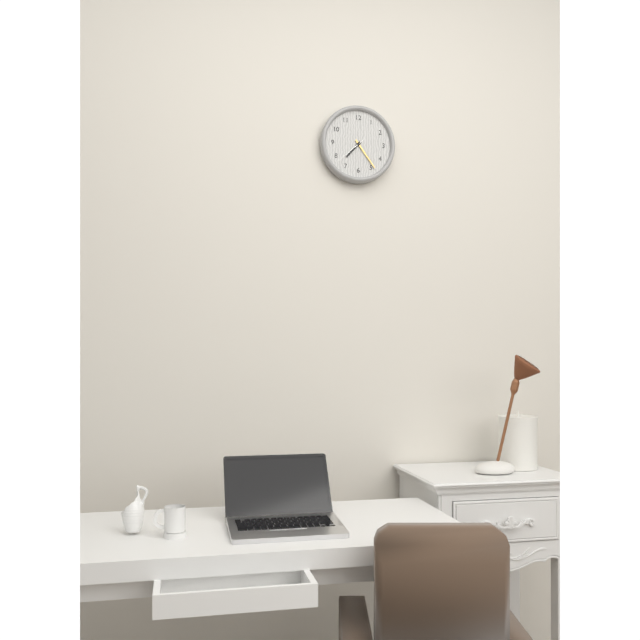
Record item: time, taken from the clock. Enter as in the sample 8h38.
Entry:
7h24
